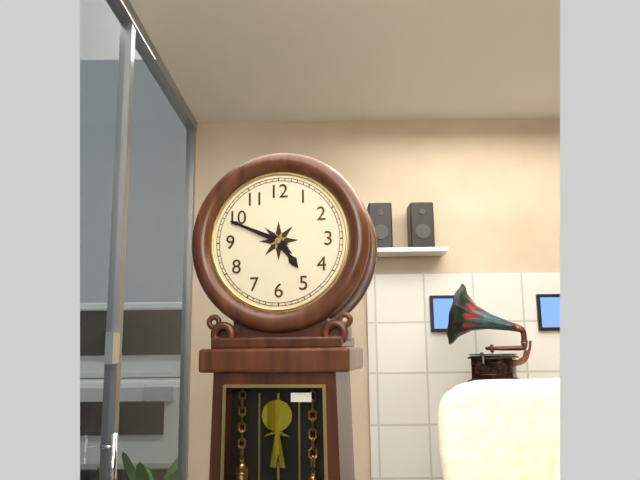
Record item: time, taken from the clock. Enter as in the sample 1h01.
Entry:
4h49
